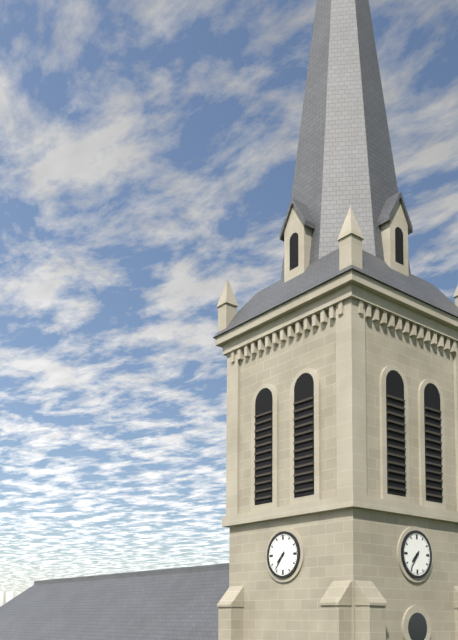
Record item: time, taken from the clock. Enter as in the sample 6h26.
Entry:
7h36
